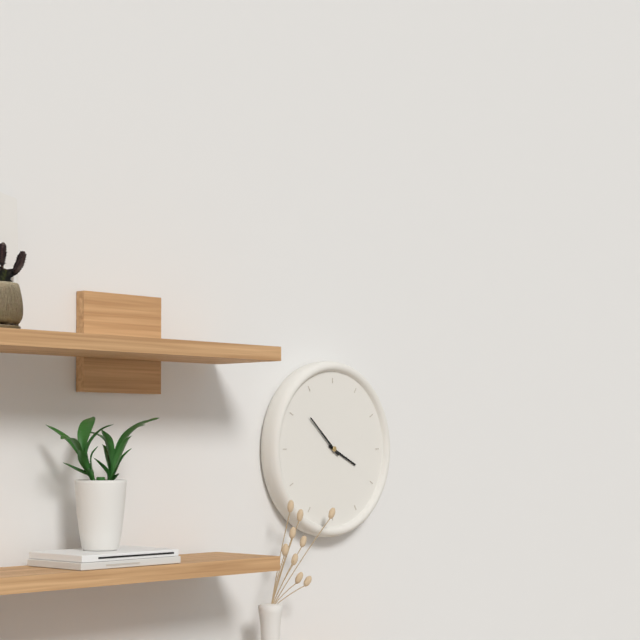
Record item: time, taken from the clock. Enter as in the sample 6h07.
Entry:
3h52
